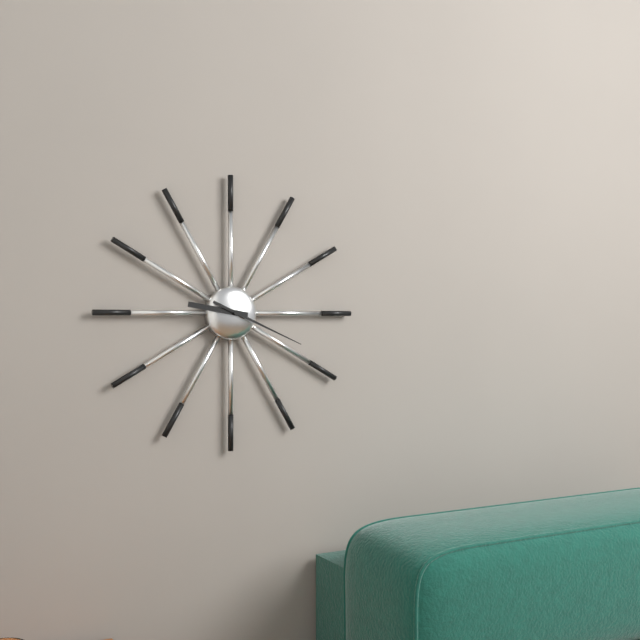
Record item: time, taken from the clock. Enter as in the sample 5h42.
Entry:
9h19
